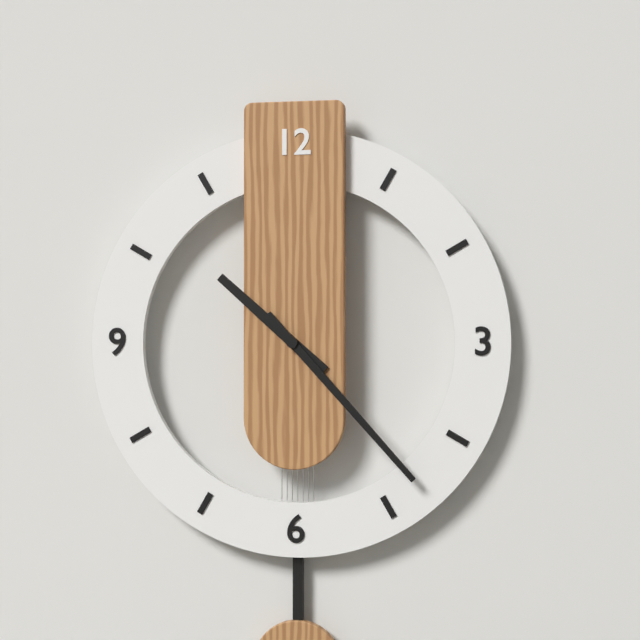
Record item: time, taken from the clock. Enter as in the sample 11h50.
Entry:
10h23
